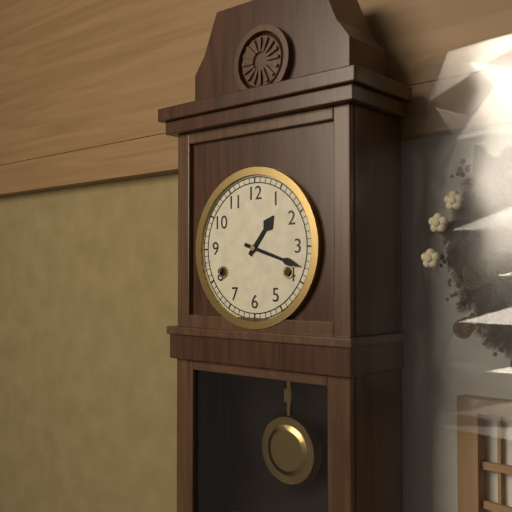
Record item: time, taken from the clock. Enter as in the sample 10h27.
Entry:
1h18
